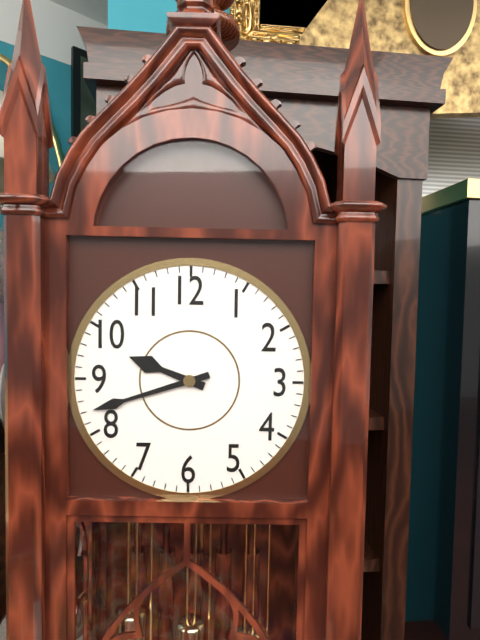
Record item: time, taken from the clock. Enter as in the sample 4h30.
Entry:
9h42
